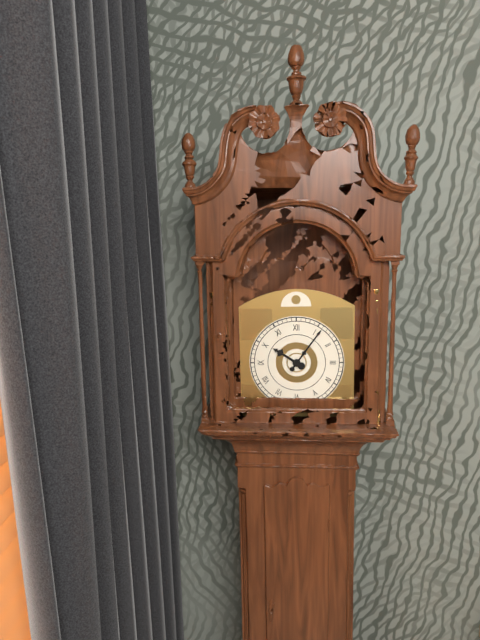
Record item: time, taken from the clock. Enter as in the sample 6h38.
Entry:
10h06
